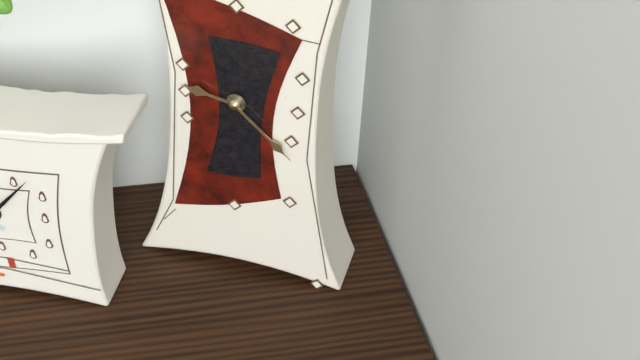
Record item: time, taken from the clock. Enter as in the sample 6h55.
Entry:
9h22
